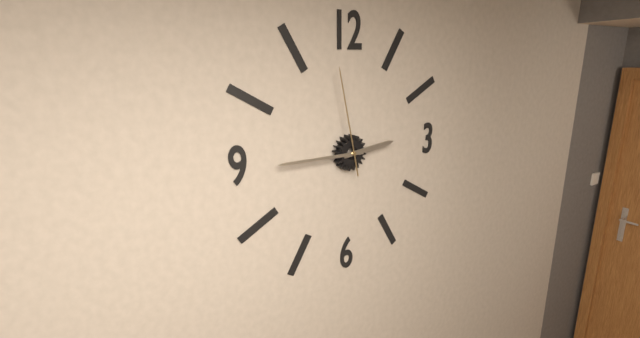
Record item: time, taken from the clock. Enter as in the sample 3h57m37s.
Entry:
2h45m58s
